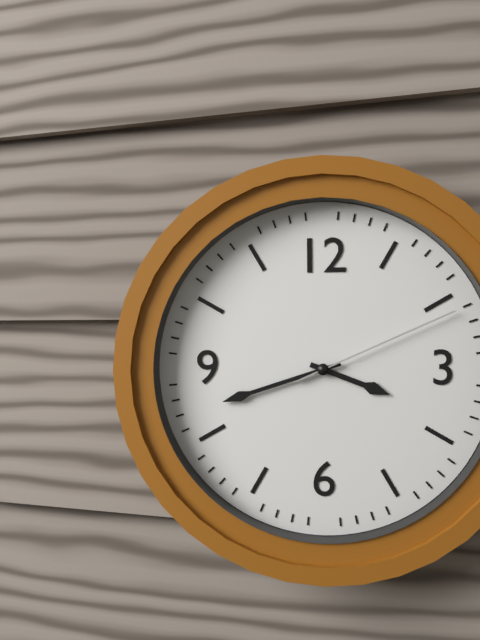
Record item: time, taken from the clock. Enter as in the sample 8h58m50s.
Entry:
3h42m11s
